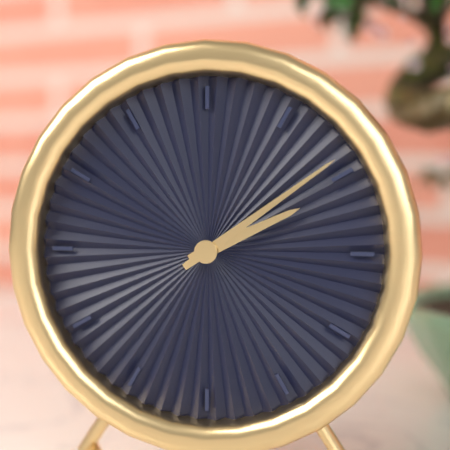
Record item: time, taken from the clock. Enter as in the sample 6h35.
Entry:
2h09
